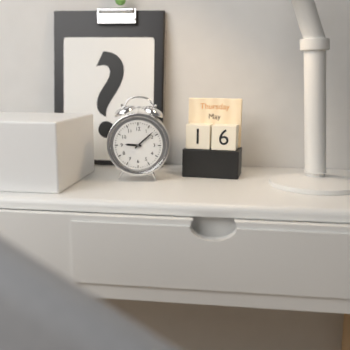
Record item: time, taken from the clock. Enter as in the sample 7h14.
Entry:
9h08
